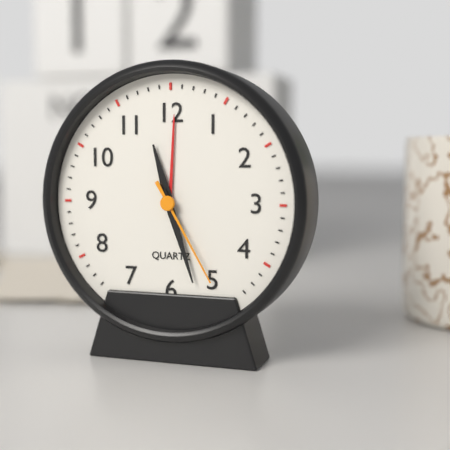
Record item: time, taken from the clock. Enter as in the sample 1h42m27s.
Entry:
11h27m25s
